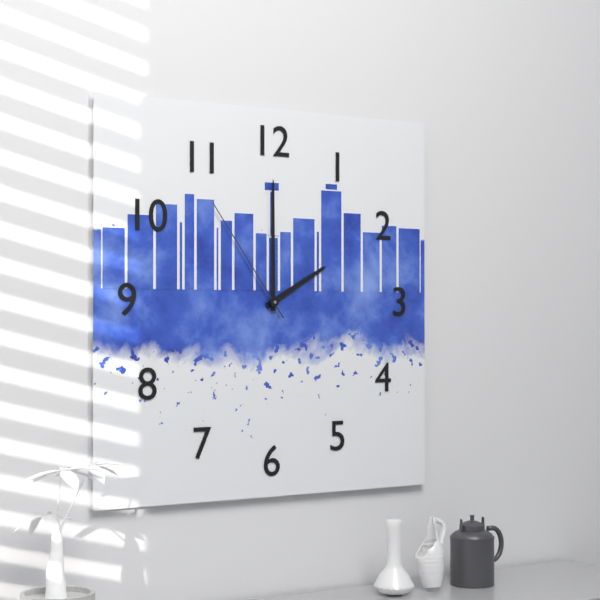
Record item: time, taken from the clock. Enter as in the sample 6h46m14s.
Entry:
2h00m54s
